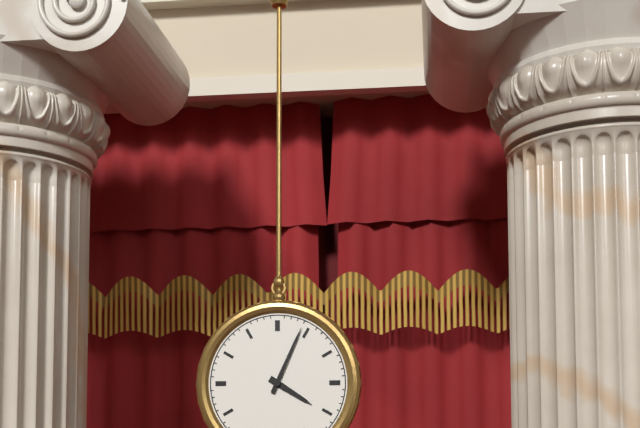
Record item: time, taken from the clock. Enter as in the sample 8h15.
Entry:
4h04
